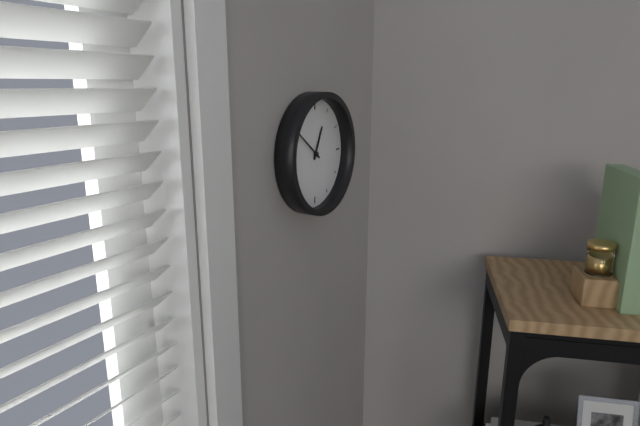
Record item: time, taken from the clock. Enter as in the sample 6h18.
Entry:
12h51
